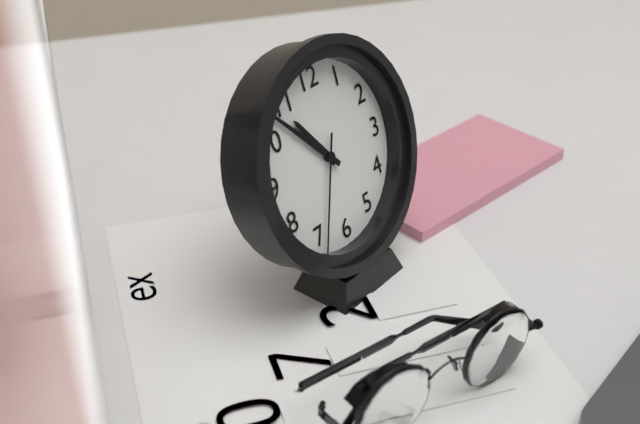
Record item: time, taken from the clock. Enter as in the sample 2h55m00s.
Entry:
10h53m34s
